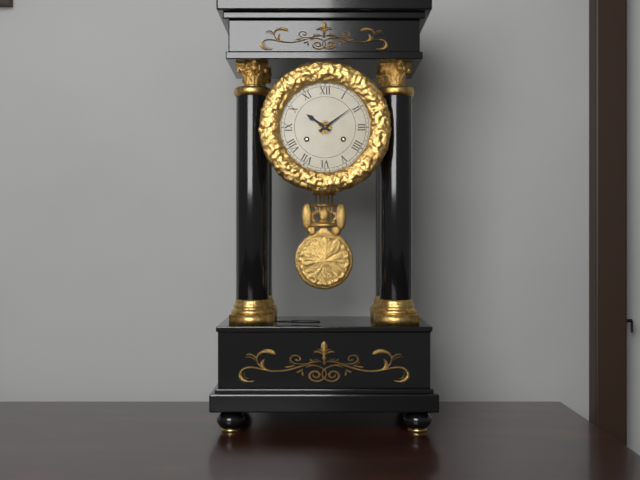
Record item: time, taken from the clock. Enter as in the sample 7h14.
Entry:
10h09
